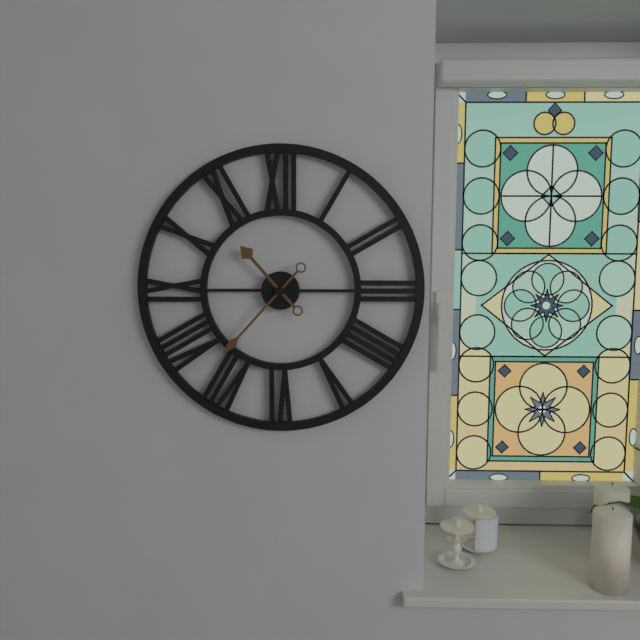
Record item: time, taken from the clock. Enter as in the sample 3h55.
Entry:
10h37
